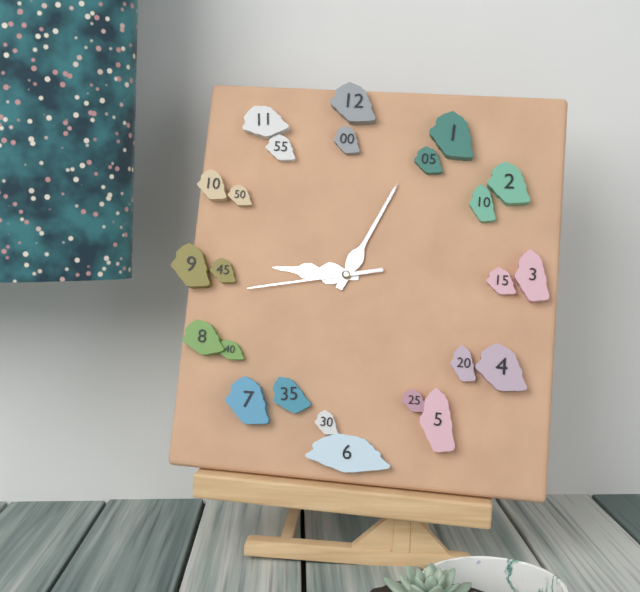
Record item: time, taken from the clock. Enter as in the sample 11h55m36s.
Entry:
9h04m43s
